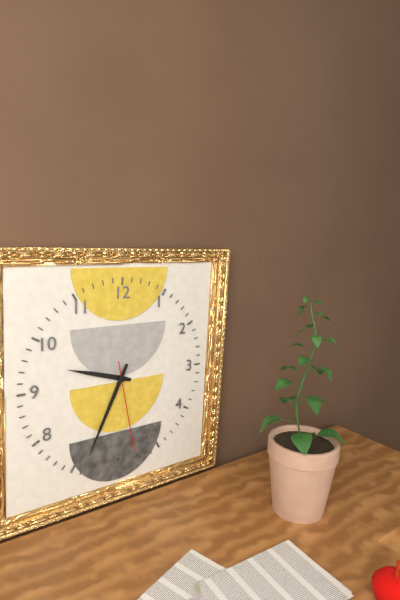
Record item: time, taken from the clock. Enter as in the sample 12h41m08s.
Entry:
9h34m28s
